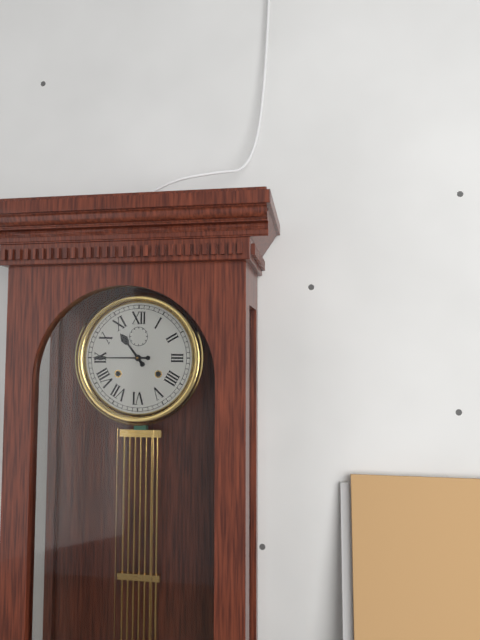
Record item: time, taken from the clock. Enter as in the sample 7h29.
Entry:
10h45
